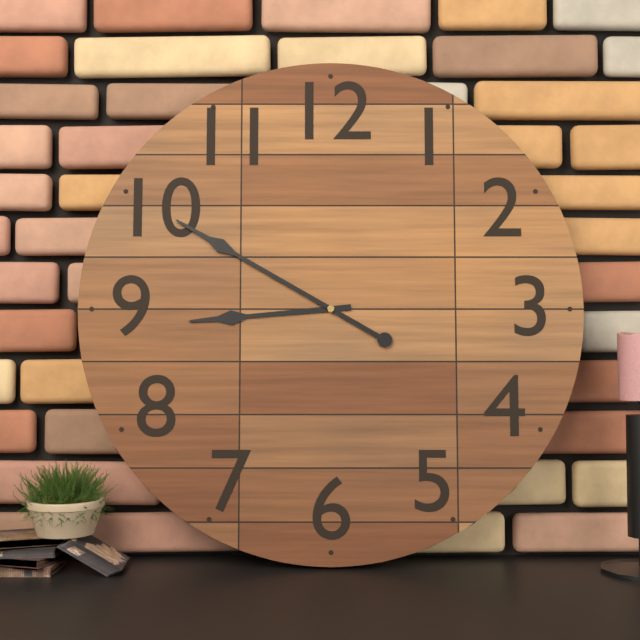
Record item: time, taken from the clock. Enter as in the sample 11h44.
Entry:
8h50
